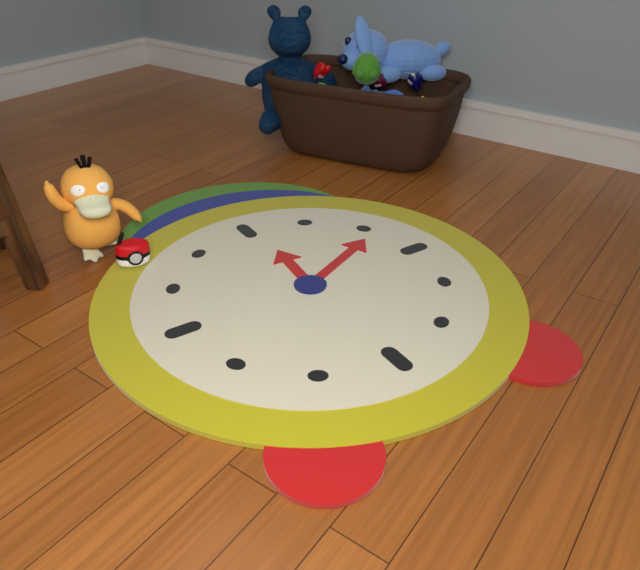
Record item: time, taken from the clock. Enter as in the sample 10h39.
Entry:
12h11
